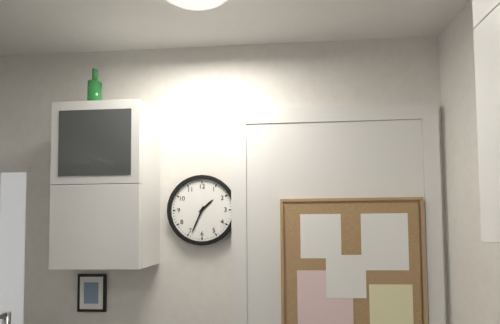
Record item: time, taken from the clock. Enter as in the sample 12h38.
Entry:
1h34
